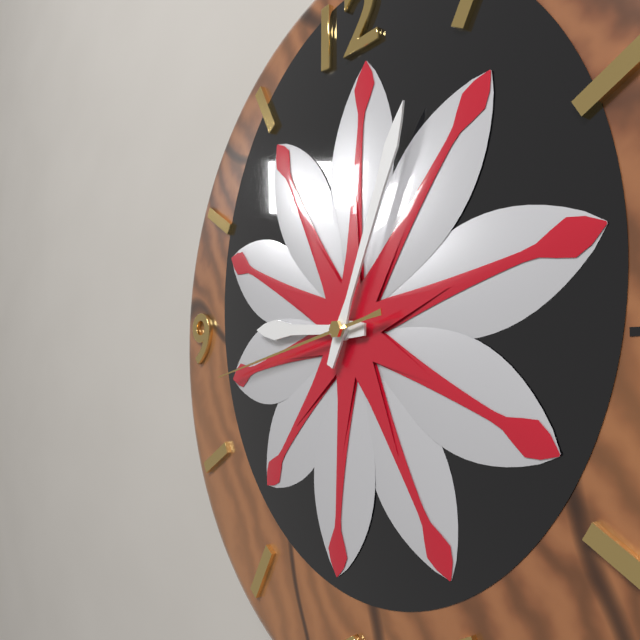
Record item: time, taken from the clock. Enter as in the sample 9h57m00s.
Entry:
9h04m43s
